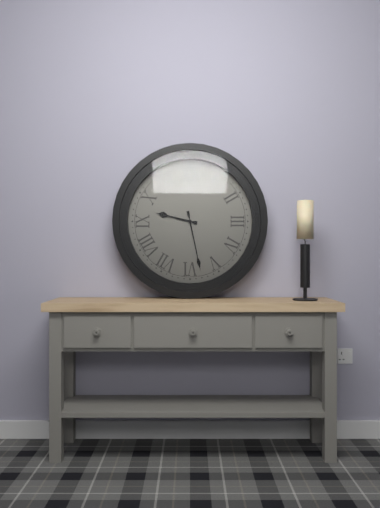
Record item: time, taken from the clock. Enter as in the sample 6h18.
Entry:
9h28
